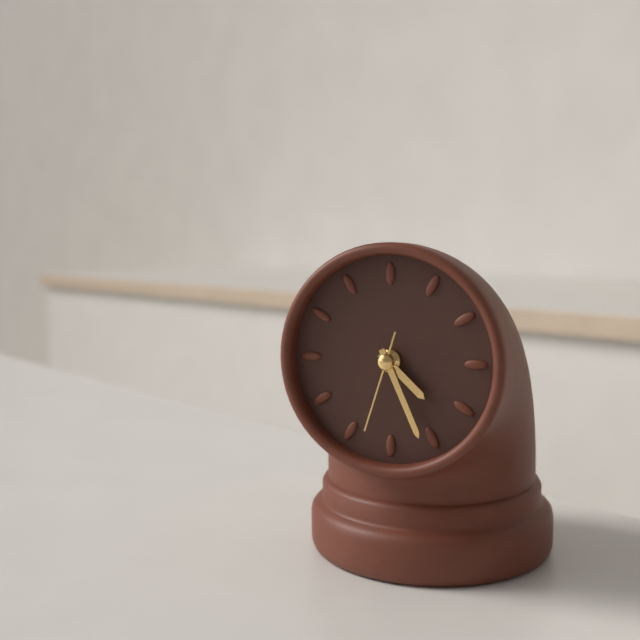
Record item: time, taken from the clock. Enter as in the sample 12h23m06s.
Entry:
4h26m33s
